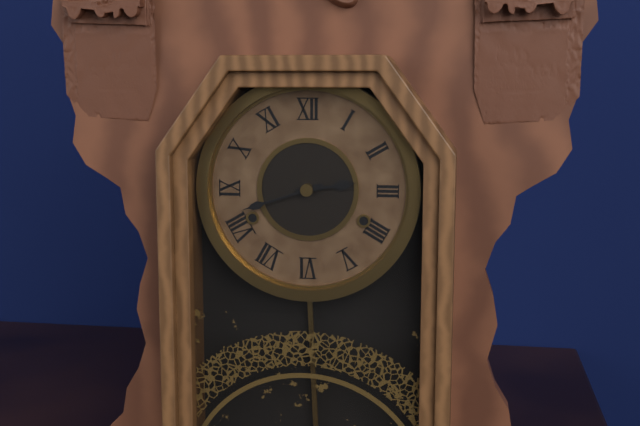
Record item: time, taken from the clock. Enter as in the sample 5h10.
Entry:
2h42
